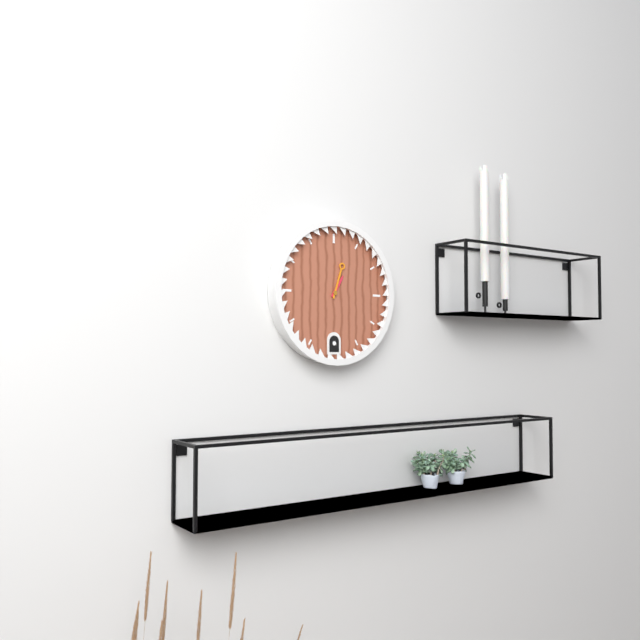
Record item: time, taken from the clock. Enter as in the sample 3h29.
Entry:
1h03
